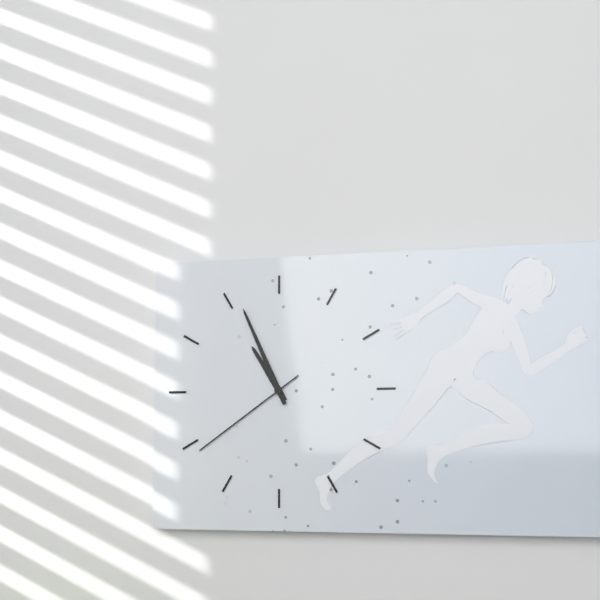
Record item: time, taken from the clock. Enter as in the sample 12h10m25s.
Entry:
10h56m39s
